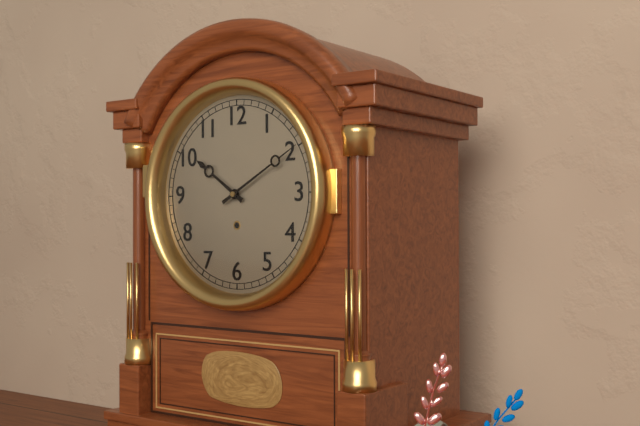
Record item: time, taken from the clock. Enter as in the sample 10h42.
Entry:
10h10
